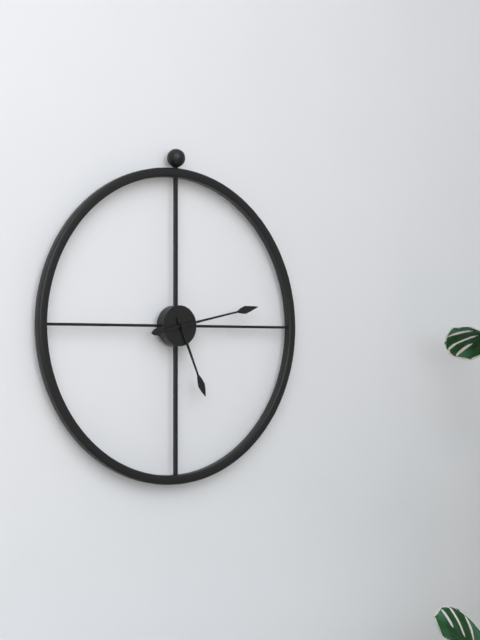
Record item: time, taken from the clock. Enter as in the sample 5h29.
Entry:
5h13
